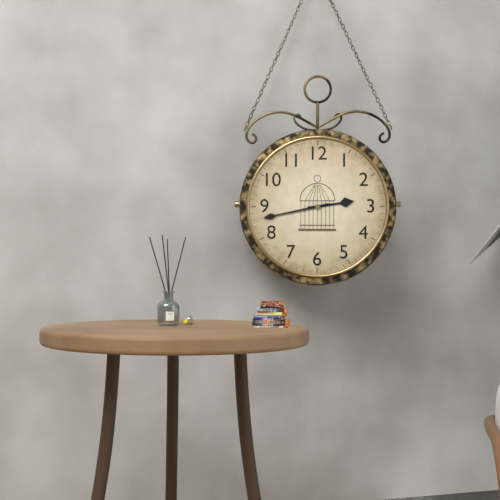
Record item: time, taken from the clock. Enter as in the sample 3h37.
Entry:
2h43
